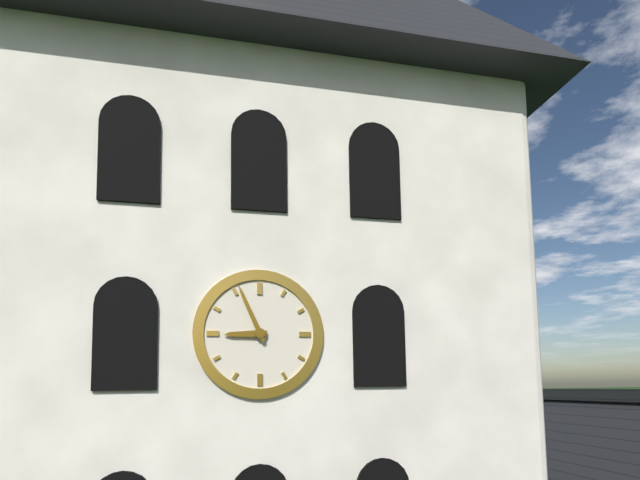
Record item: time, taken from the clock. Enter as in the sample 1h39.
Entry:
8h56
